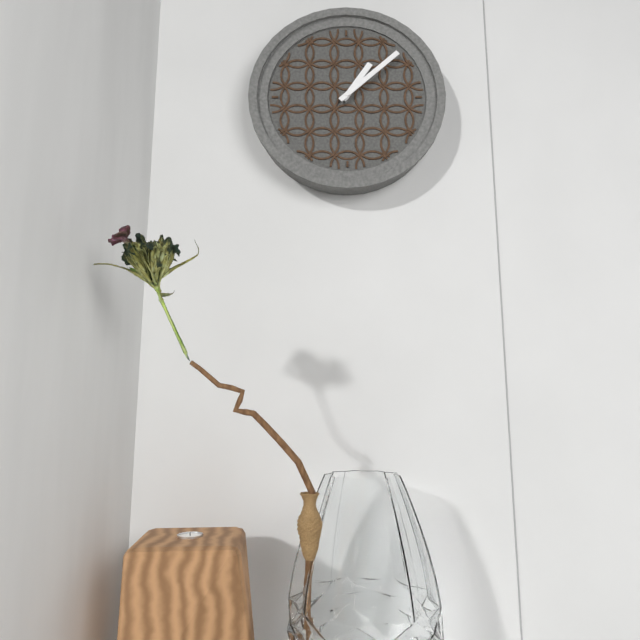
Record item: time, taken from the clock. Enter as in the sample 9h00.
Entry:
1h08
